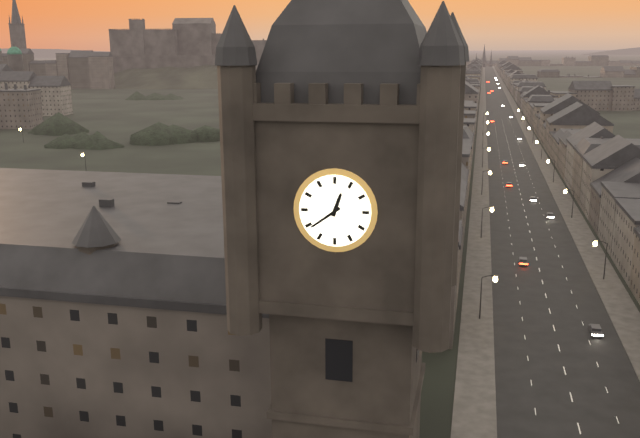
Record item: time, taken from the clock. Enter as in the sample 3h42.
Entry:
12h39
